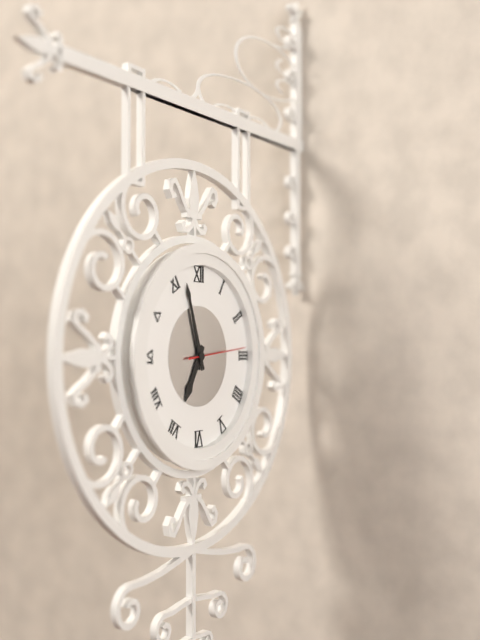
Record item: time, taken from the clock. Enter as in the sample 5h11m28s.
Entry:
6h57m14s
